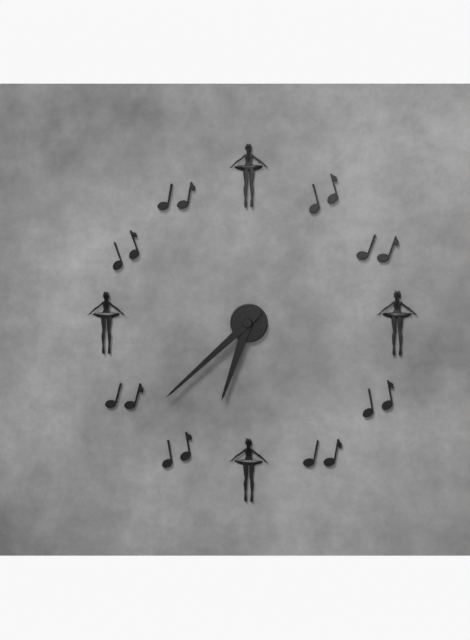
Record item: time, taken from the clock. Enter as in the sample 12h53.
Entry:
6h38
